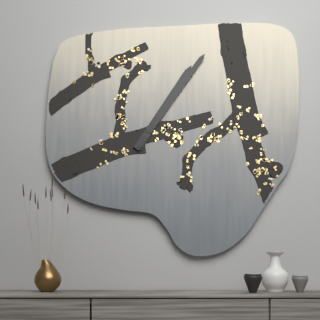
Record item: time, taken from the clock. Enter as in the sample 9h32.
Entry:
1h06
